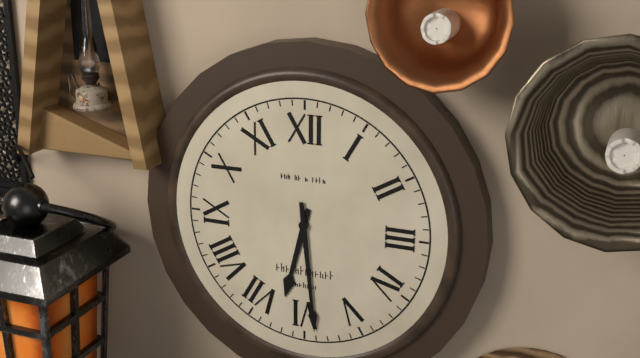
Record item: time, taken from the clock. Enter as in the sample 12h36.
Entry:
6h29
